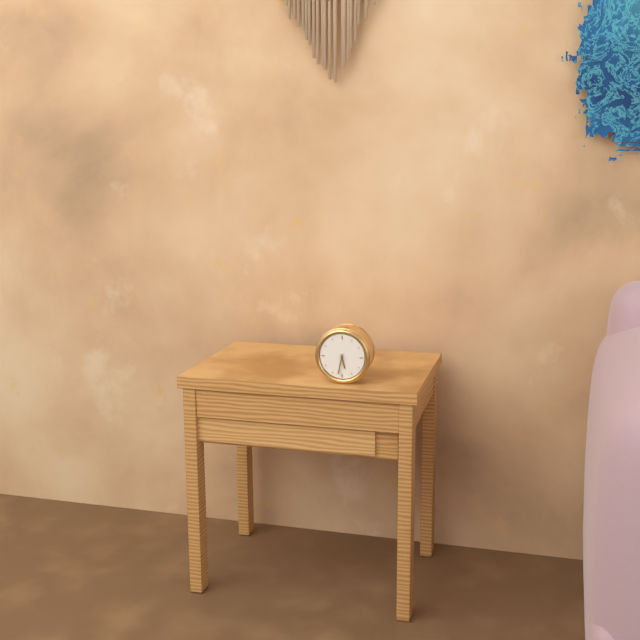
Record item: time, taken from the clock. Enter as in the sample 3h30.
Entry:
5h32
